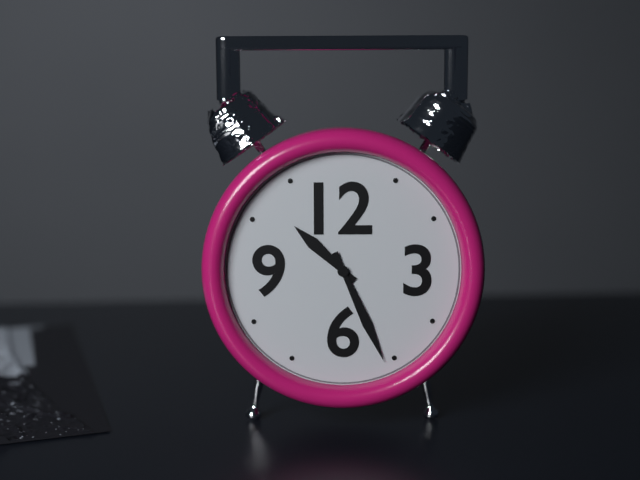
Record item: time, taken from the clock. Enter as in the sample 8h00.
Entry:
10h26
